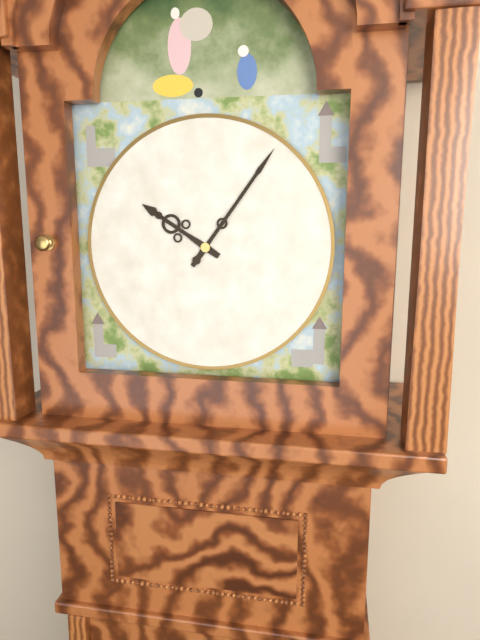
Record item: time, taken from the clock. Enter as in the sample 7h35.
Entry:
10h06
